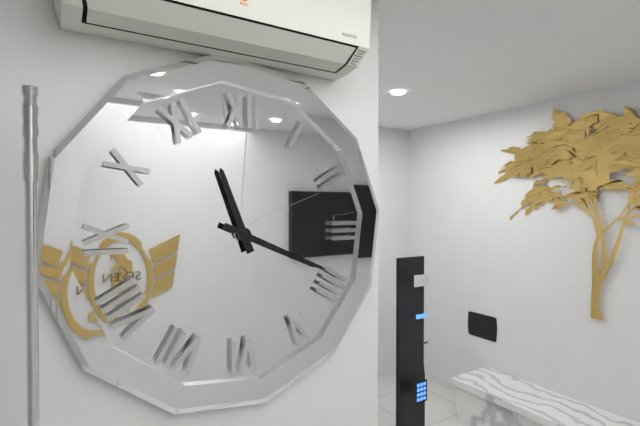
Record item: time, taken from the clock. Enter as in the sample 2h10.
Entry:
11h19
